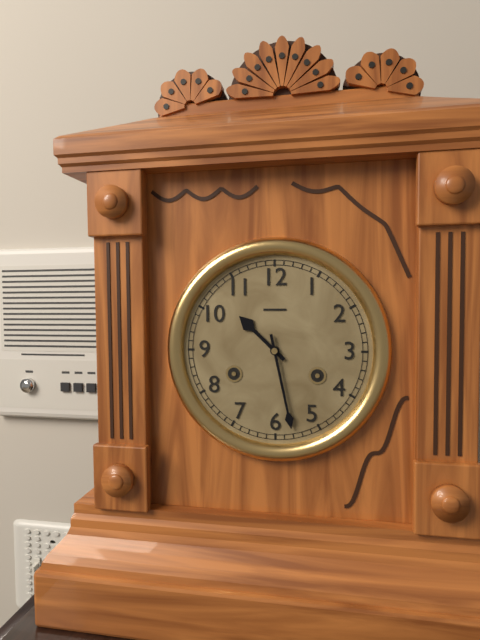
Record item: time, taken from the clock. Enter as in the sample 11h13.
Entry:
10h28
